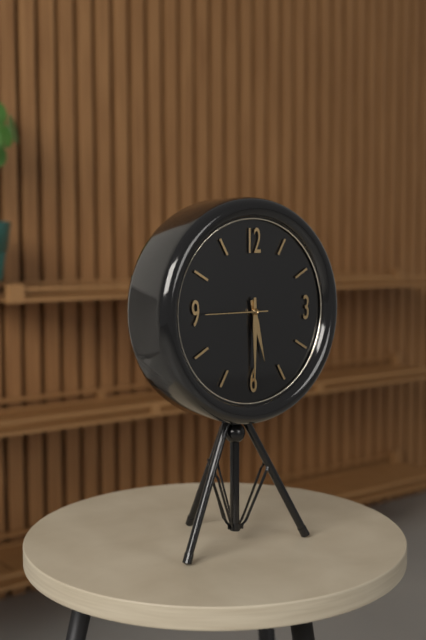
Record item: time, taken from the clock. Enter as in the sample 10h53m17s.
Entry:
5h30m45s
